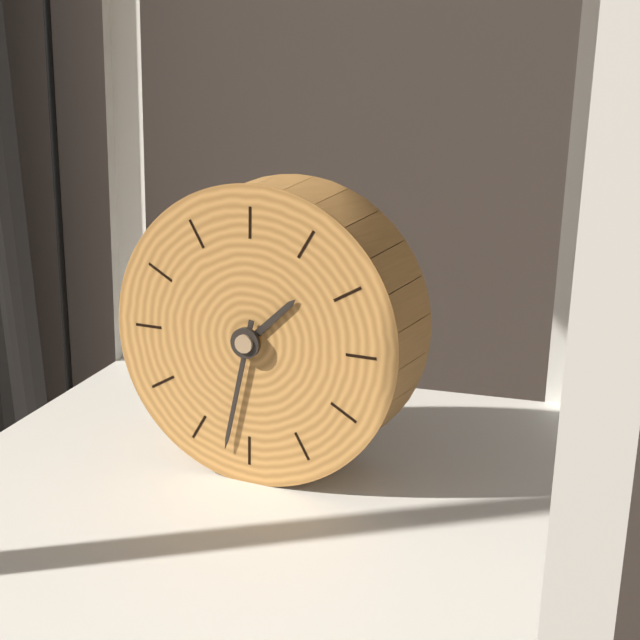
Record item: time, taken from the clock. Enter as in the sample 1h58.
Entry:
1h32
